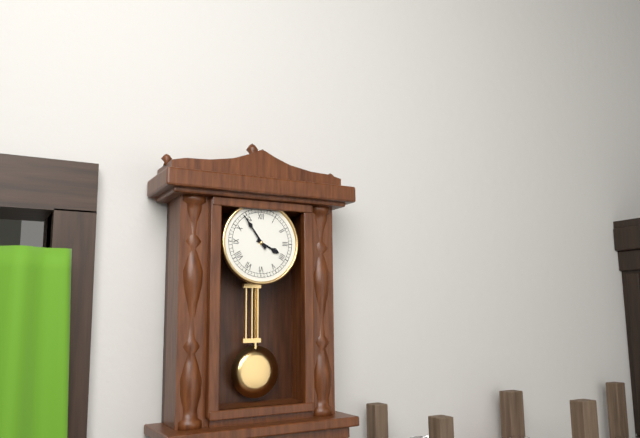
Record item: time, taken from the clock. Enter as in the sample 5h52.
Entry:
3h54
